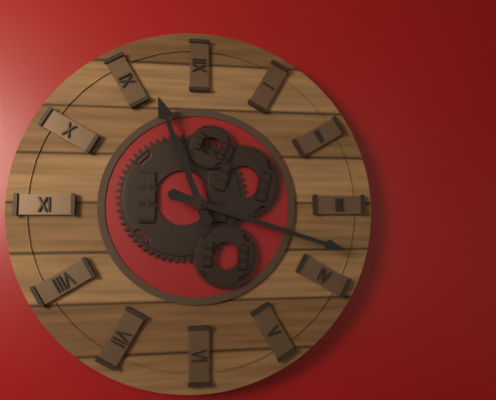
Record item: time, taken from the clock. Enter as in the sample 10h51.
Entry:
11h18
